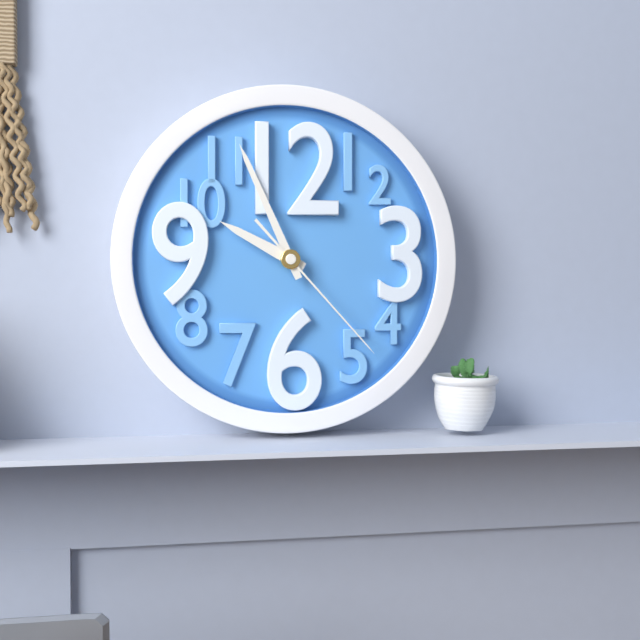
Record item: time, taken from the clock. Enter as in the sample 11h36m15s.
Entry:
9h56m23s
